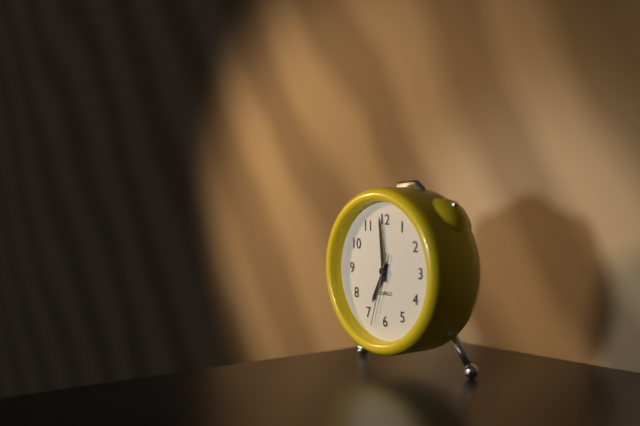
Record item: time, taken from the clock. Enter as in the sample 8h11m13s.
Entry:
6h59m33s
